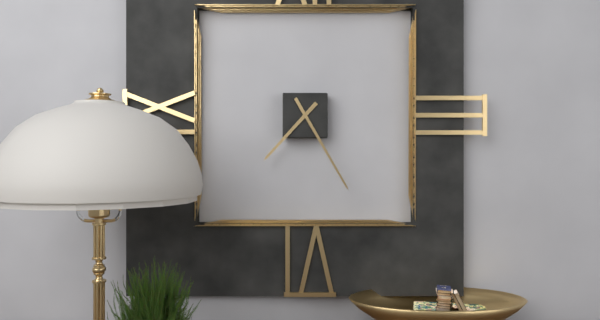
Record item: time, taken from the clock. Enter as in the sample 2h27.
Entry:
7h25
